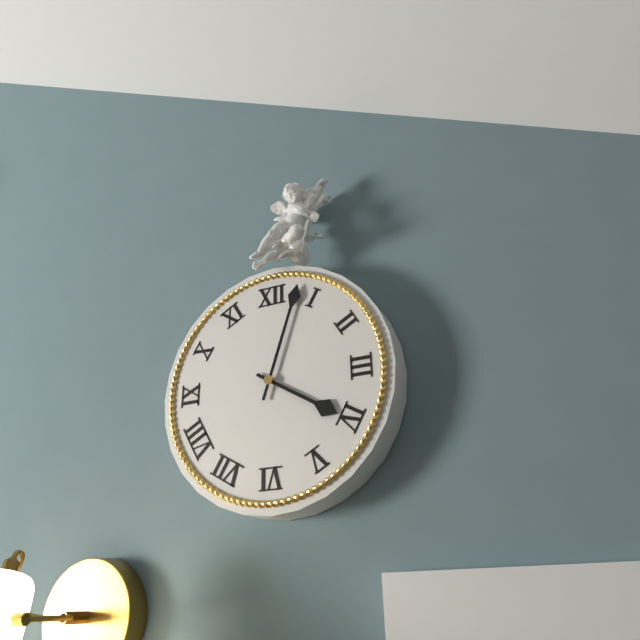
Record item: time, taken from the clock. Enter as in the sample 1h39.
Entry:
4h03
